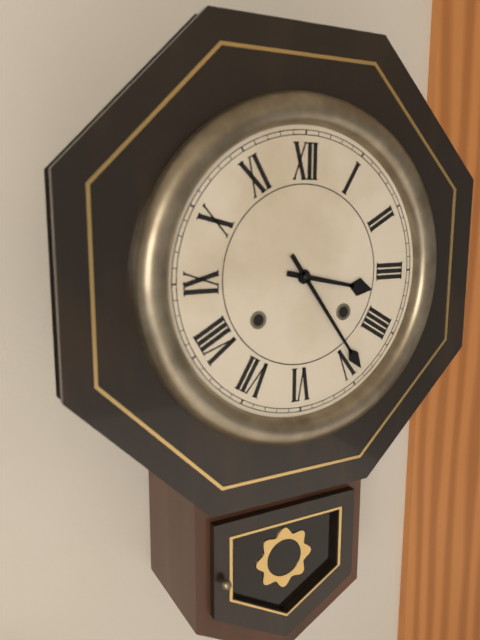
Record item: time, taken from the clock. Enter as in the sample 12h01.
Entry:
3h24
